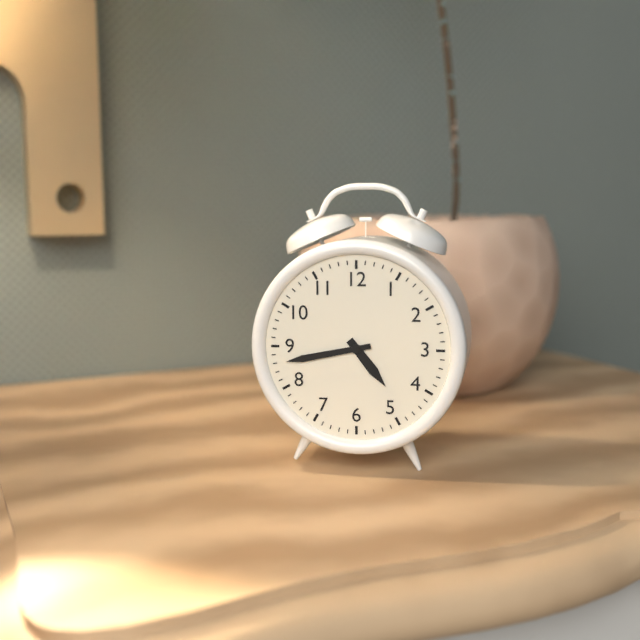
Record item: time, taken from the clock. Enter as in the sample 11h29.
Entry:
4h43
